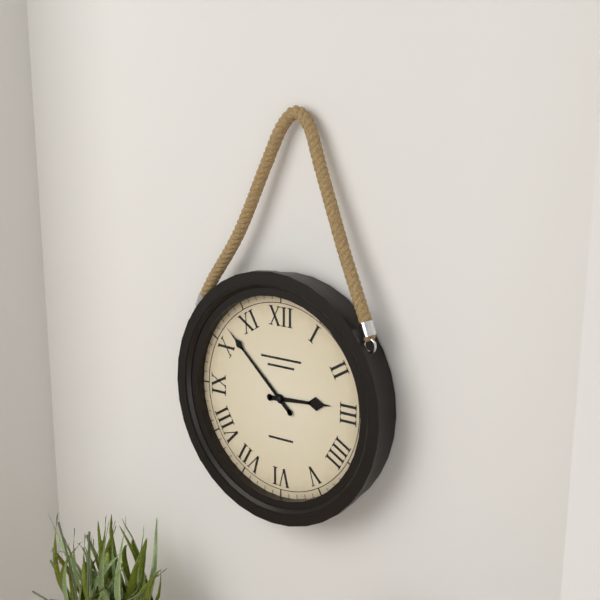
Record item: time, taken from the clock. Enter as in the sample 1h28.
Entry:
2h52
